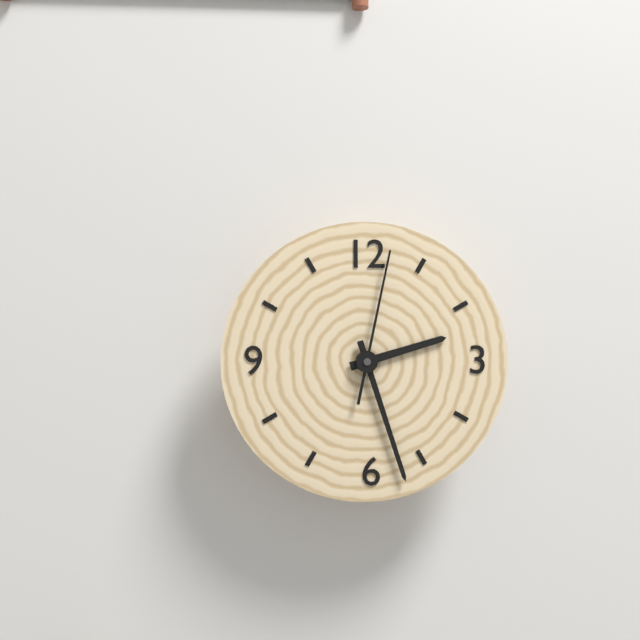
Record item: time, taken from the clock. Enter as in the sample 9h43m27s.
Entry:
2h27m02s
